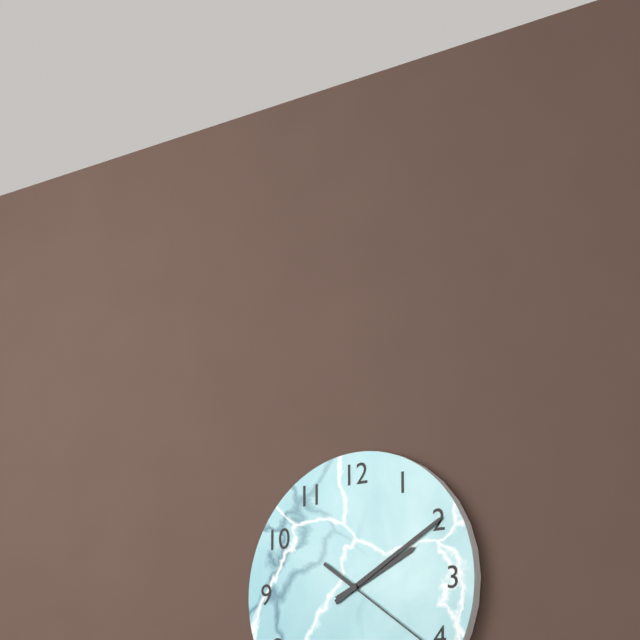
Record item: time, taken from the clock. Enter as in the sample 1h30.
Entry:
2h10
